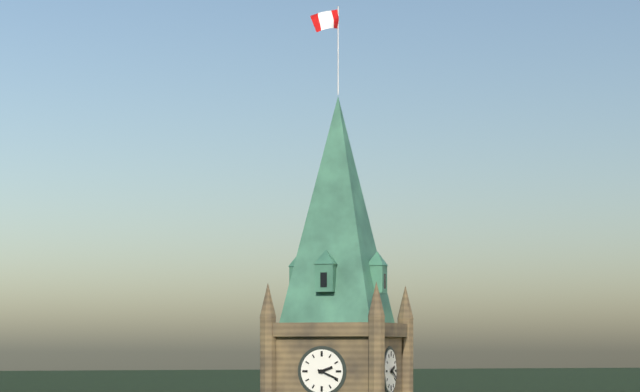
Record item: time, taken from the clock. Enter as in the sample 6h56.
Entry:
2h19
